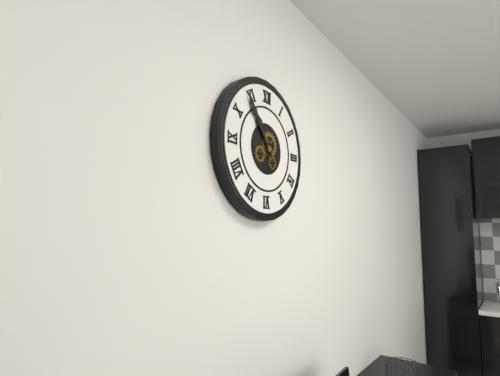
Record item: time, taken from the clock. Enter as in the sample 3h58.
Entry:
10h54
